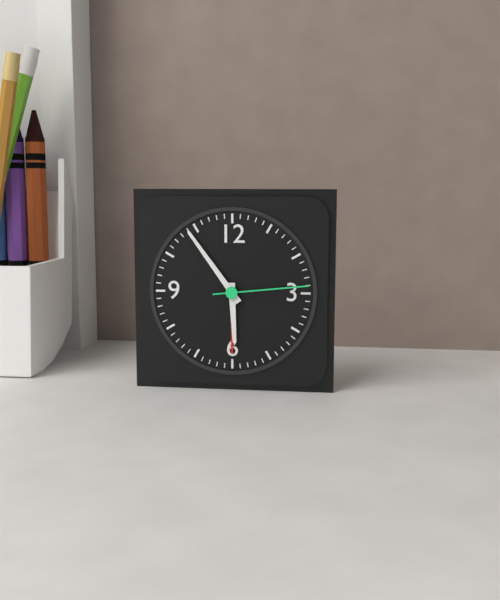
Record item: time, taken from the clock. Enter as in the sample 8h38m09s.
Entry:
5h54m14s
